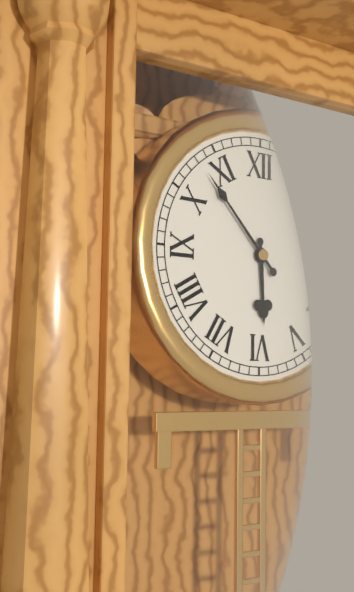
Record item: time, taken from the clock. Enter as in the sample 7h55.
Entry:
5h53
